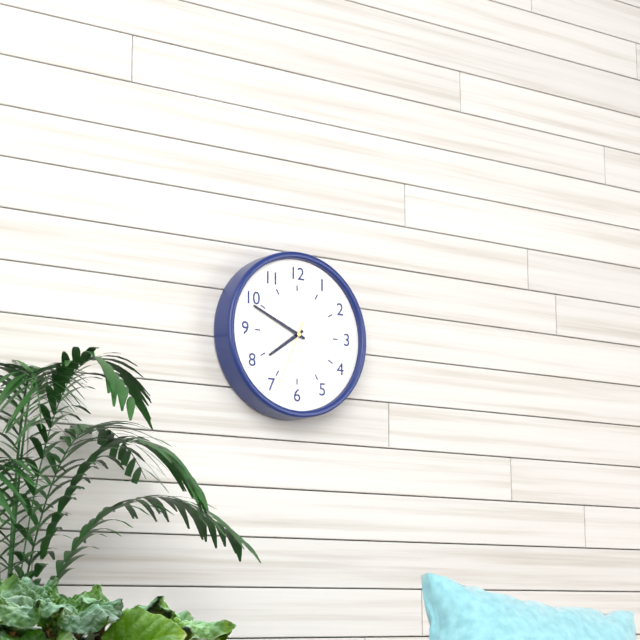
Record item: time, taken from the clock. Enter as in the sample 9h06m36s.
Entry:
7h49m34s
